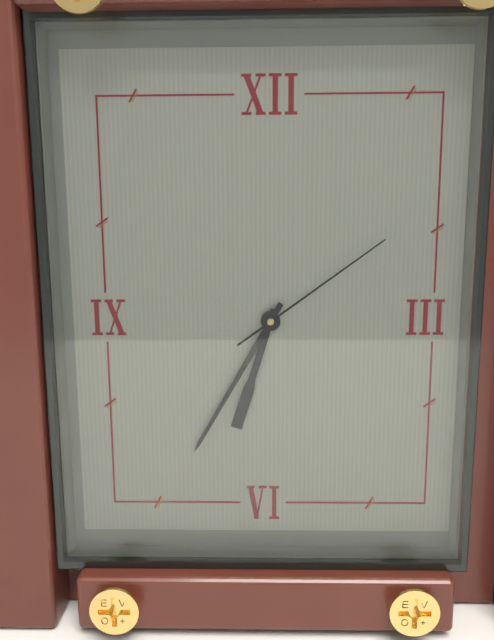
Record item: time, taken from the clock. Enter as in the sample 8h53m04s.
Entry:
6h35m09s
